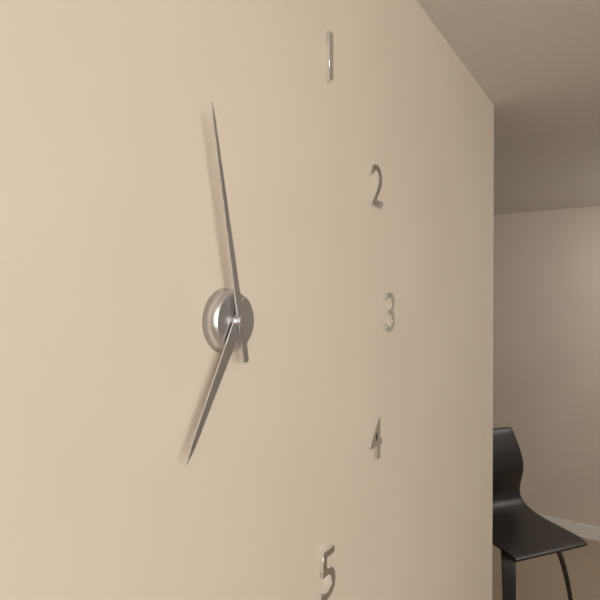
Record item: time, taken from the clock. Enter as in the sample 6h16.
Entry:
6h58
